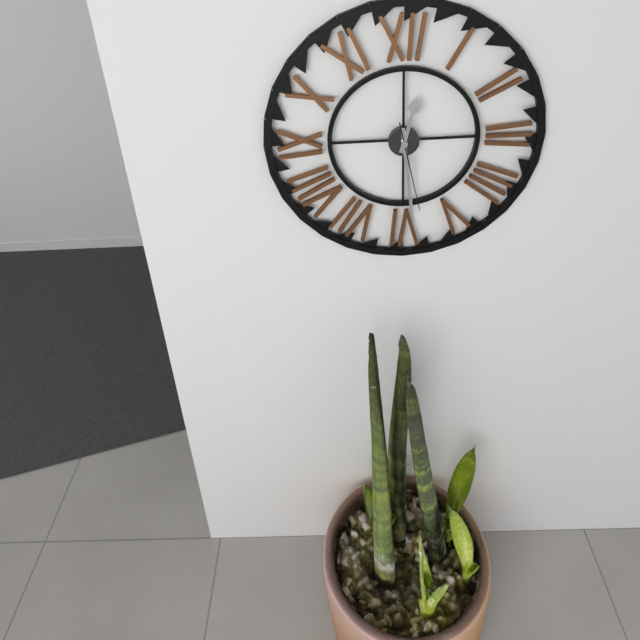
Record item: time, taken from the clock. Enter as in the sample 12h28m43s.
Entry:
12h29m28s
